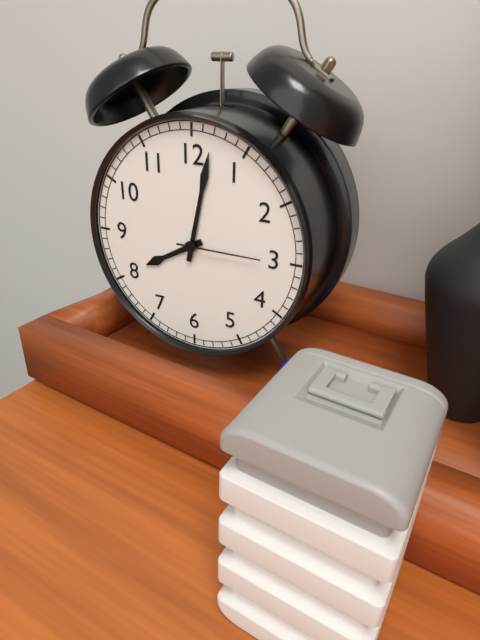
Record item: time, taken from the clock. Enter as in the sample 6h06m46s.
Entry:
8h02m15s
